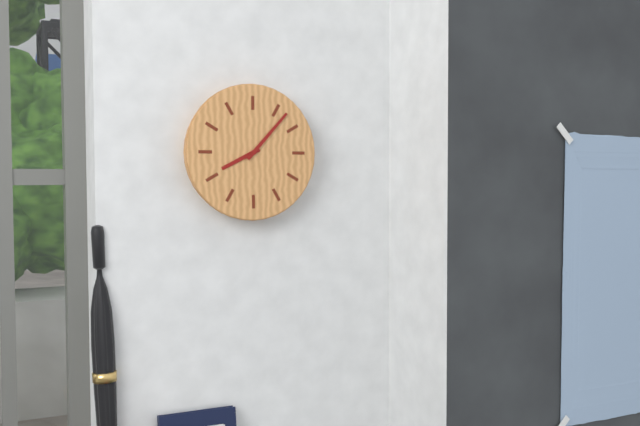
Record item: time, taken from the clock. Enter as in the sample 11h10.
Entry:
8h07
